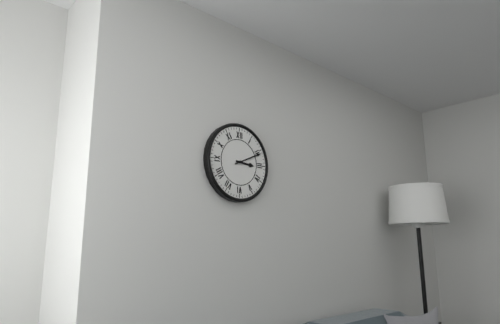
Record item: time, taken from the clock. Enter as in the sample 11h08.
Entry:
3h11
